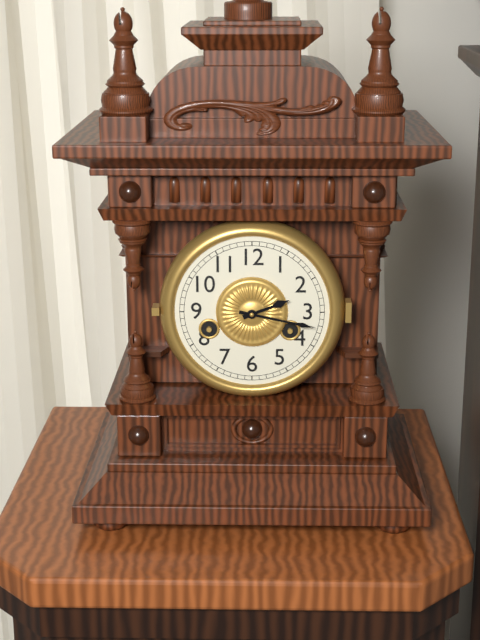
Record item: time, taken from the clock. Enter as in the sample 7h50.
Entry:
2h17
